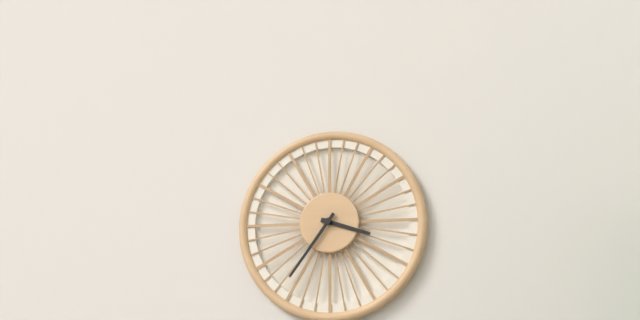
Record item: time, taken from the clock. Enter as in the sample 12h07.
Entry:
3h36
